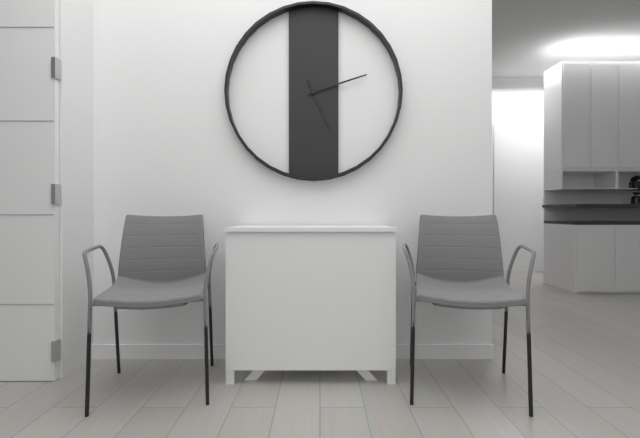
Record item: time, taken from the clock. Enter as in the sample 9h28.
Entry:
5h12
